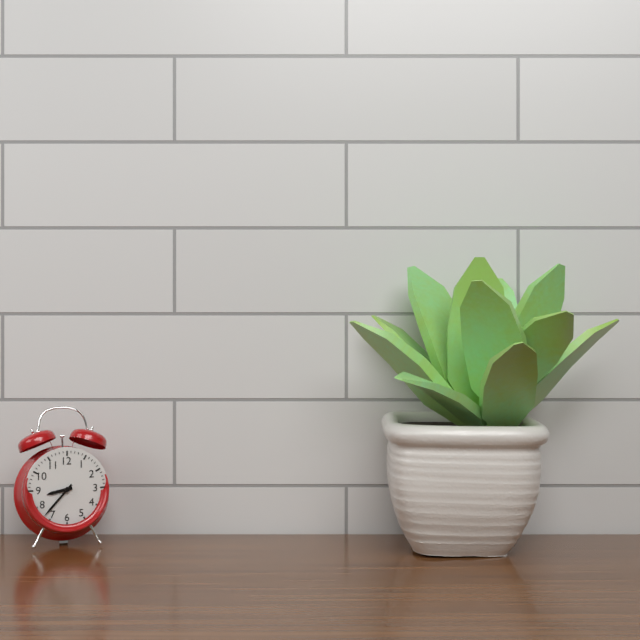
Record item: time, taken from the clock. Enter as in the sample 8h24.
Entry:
8h37
